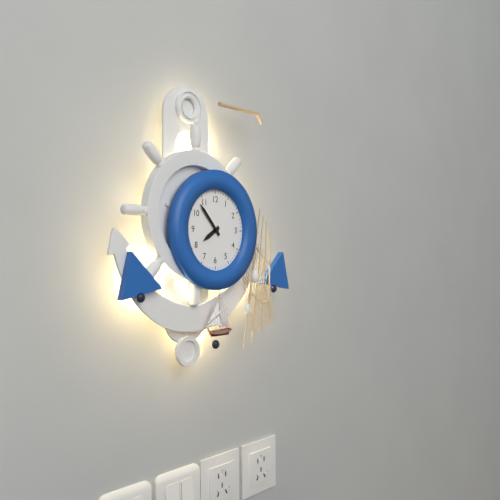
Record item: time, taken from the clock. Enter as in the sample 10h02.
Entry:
7h53
